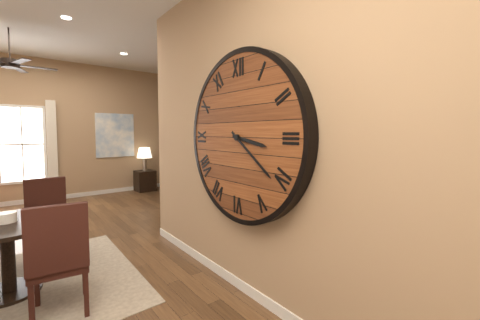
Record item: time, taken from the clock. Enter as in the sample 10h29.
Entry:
3h21
